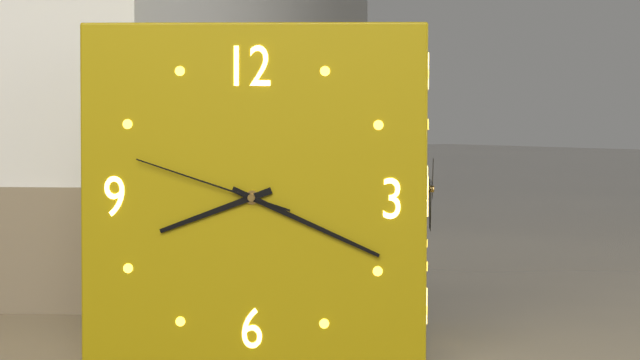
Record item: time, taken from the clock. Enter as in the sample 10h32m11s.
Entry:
8h19m48s
